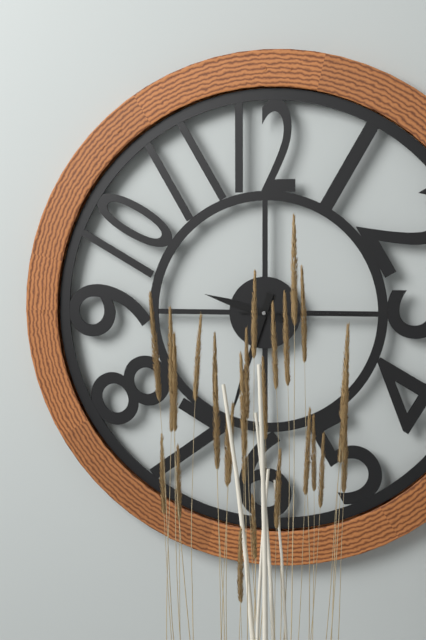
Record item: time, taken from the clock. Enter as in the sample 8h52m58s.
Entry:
9h33m15s
